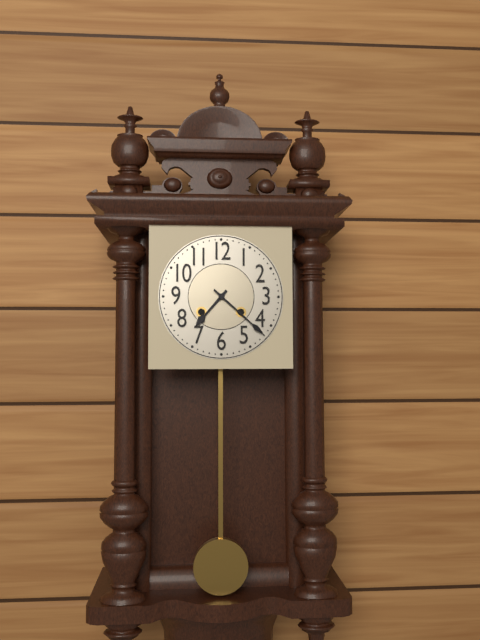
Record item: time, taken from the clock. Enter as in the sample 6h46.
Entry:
7h22
